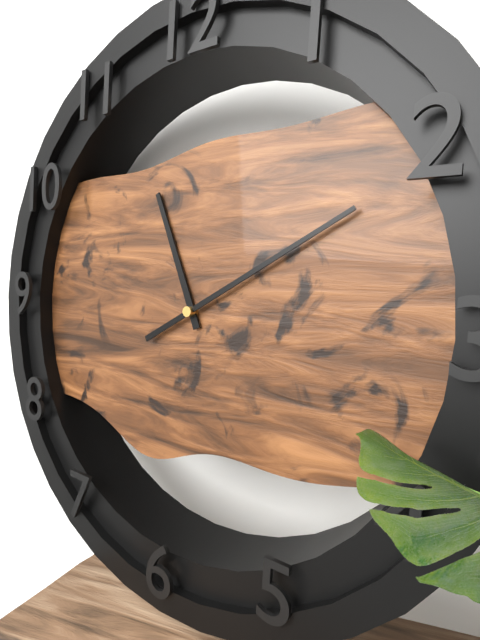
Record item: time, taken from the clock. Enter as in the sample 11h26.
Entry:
11h10
